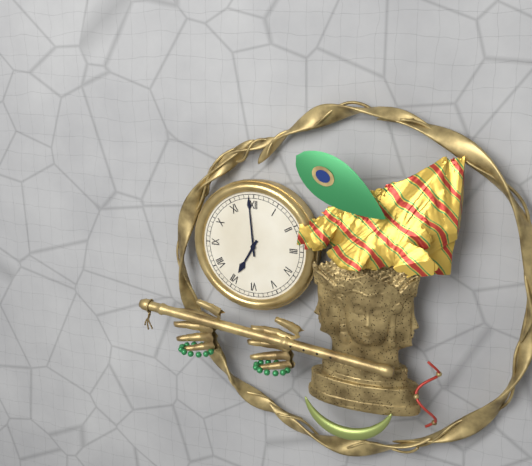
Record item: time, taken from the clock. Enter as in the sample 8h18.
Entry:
6h59
